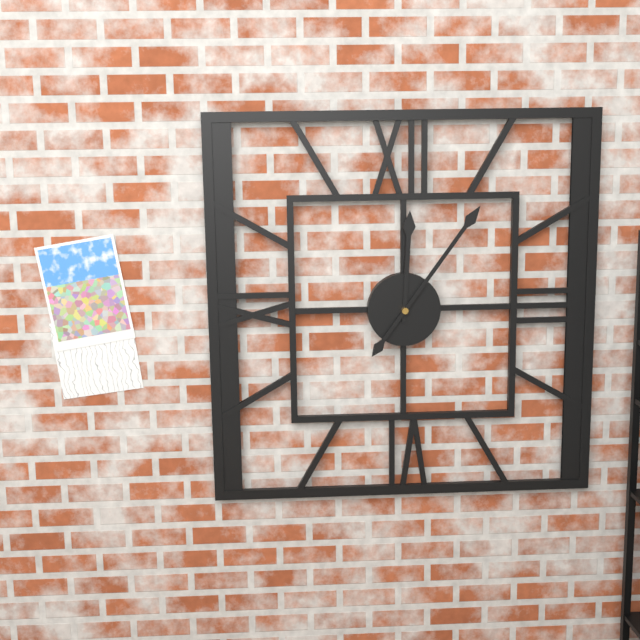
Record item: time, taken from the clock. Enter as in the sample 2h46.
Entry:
12h06
